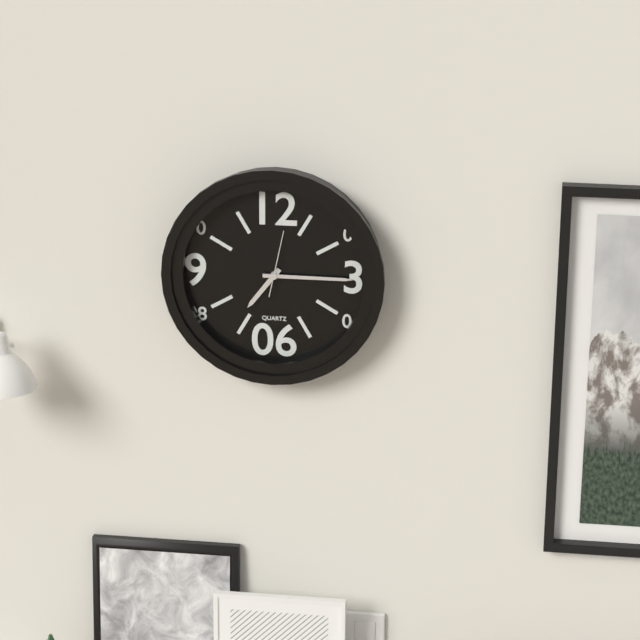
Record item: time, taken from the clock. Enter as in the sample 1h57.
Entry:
7h15
